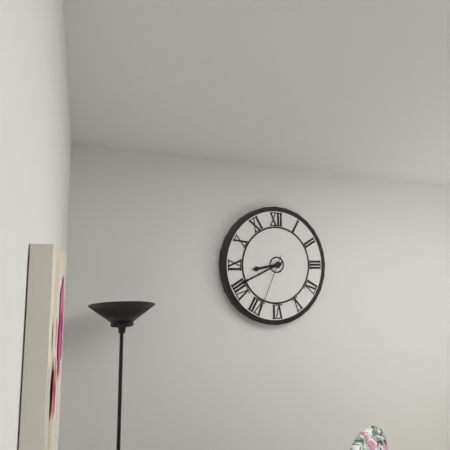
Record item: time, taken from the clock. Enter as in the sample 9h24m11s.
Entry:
8h41m34s
